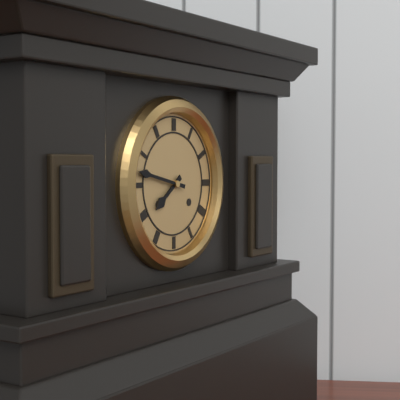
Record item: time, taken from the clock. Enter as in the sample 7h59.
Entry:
7h47
